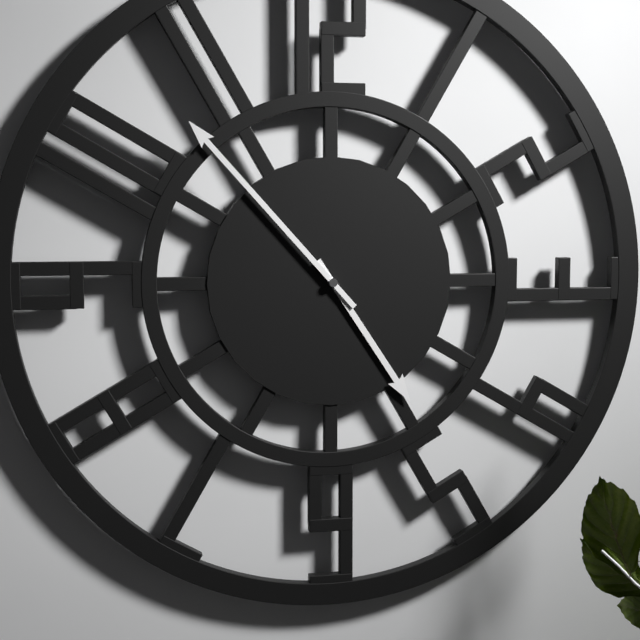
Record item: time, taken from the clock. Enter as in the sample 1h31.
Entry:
4h53
